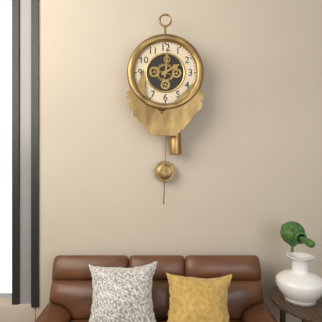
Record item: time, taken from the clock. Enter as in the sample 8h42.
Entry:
2h01
